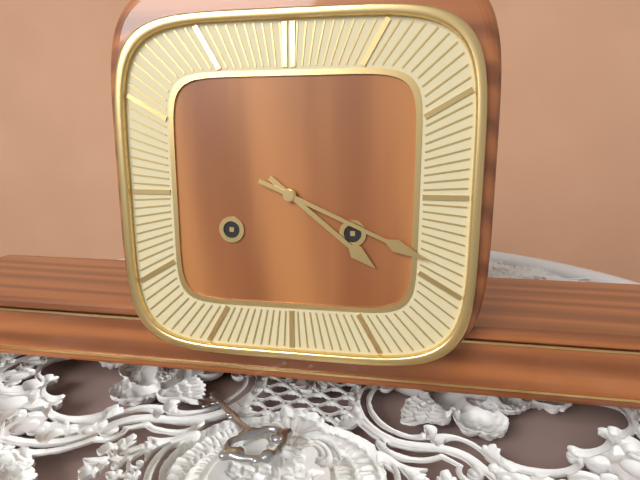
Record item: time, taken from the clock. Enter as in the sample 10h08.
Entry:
4h19
